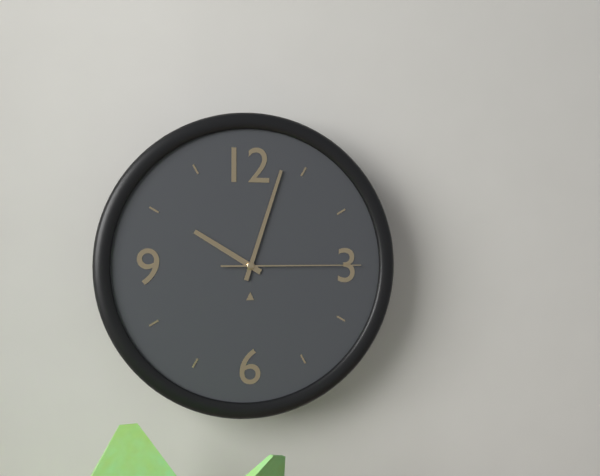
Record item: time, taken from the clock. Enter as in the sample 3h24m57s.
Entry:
10h03m15s
